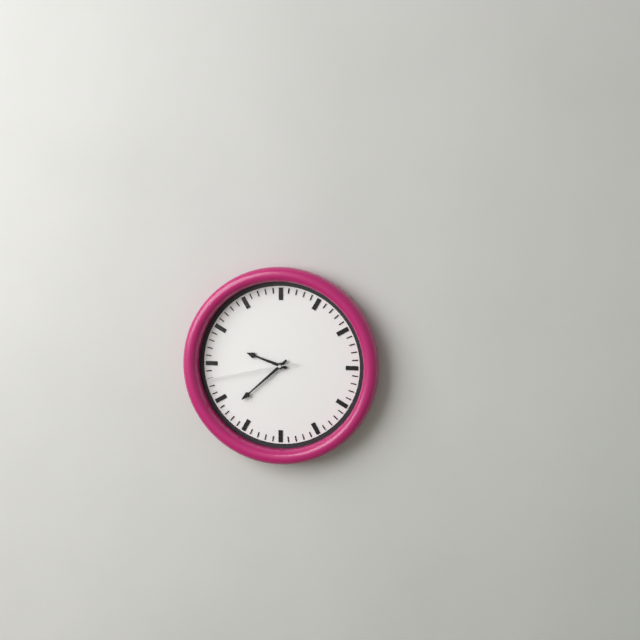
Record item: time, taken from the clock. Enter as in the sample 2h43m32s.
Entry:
9h38m43s
